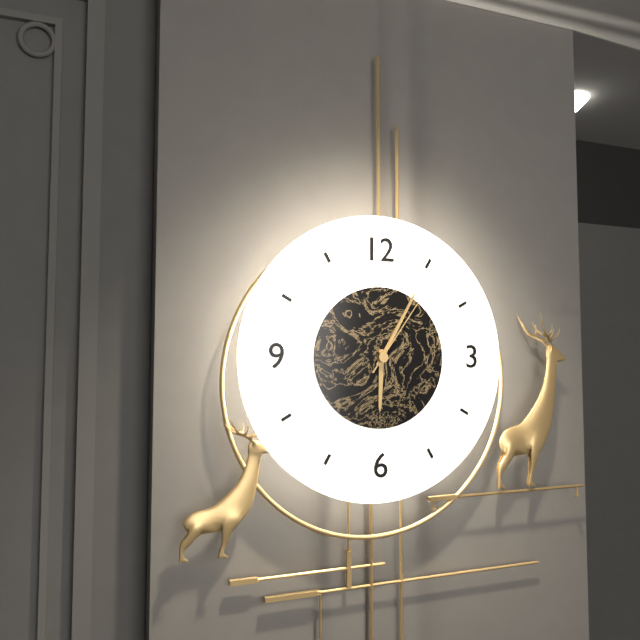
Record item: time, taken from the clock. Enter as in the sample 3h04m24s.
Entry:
6h05m06s
